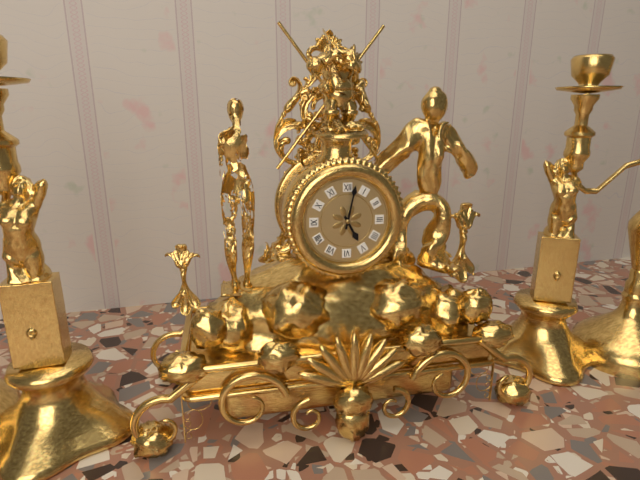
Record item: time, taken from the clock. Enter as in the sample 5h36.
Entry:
5h02
